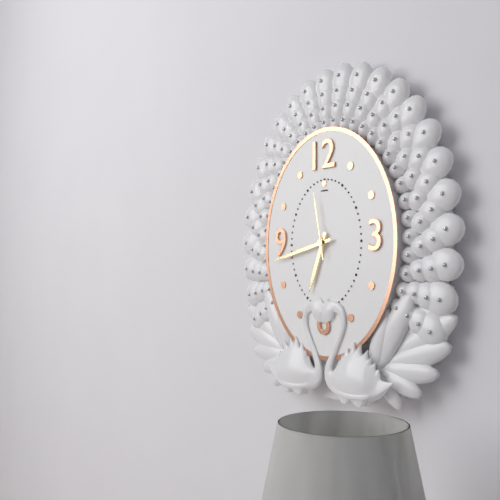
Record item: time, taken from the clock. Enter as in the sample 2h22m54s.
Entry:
6h43m58s
